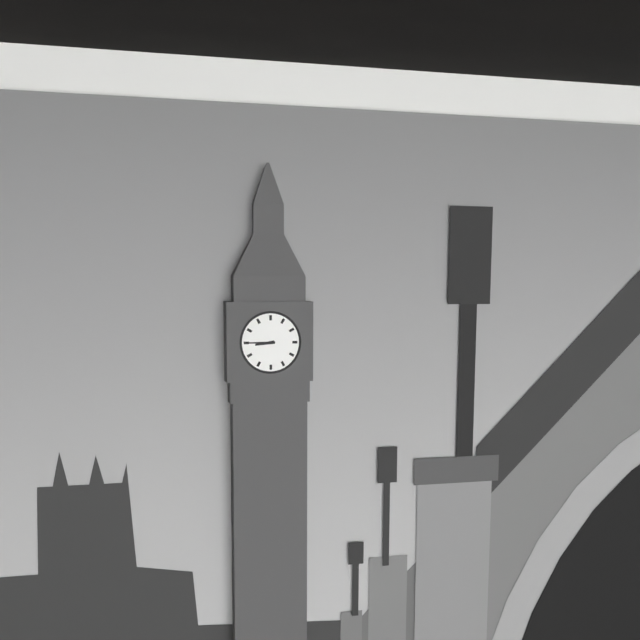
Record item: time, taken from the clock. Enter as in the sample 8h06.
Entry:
8h45
